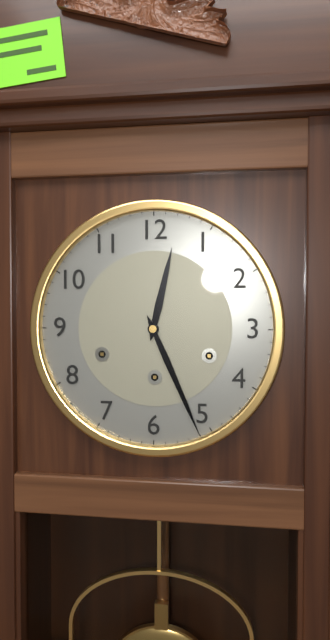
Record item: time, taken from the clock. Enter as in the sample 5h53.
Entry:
12h26
